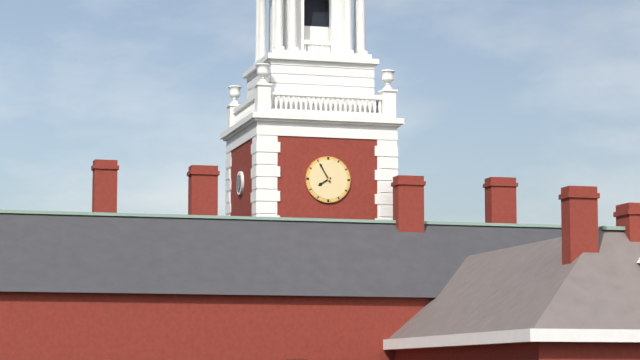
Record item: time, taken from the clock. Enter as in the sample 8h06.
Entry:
7h55
